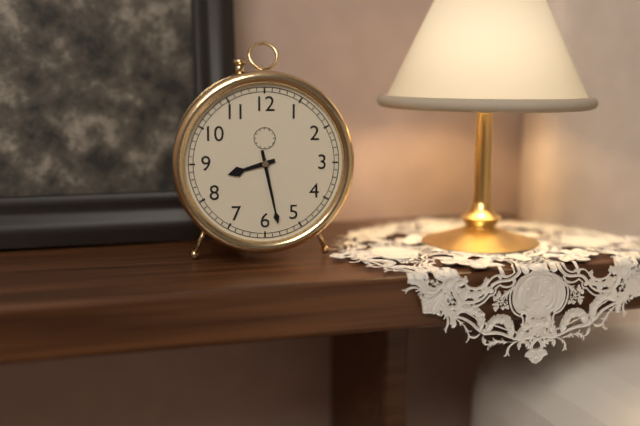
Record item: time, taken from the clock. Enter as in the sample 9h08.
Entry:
8h28
